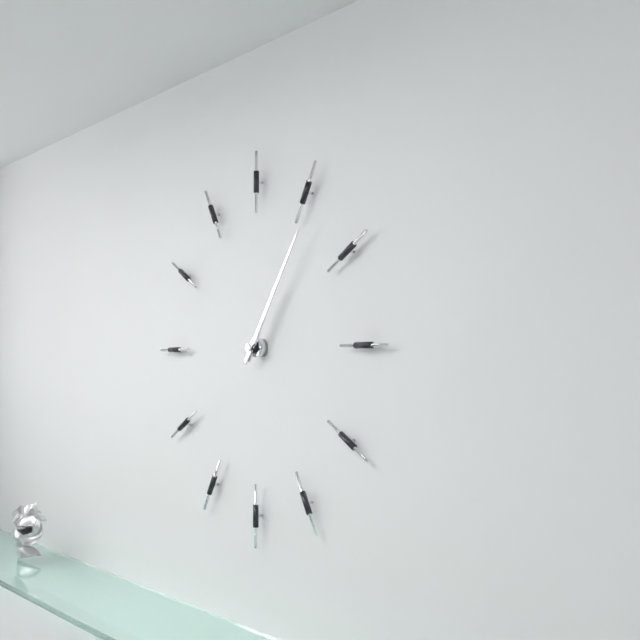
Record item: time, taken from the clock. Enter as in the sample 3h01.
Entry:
1h06
